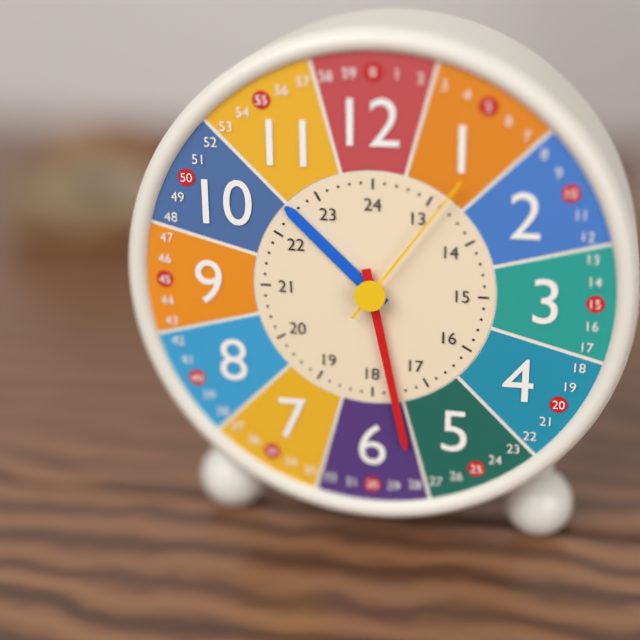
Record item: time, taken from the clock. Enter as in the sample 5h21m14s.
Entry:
10h28m06s
